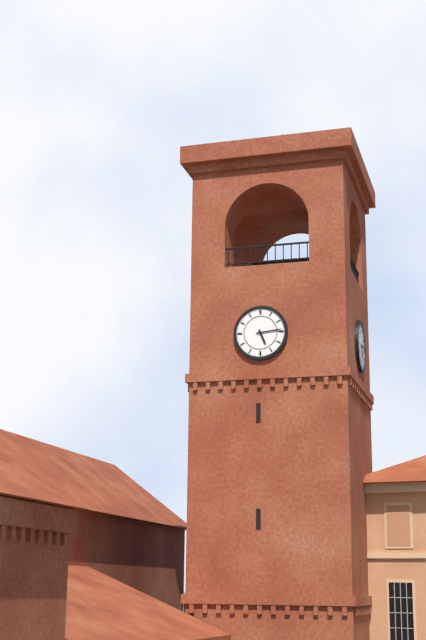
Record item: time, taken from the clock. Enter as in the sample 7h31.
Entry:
5h14
